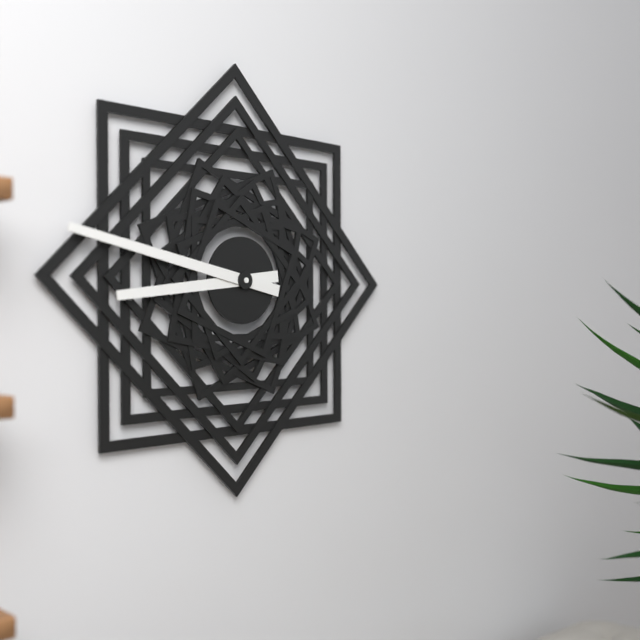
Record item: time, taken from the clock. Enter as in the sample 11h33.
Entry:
8h47
